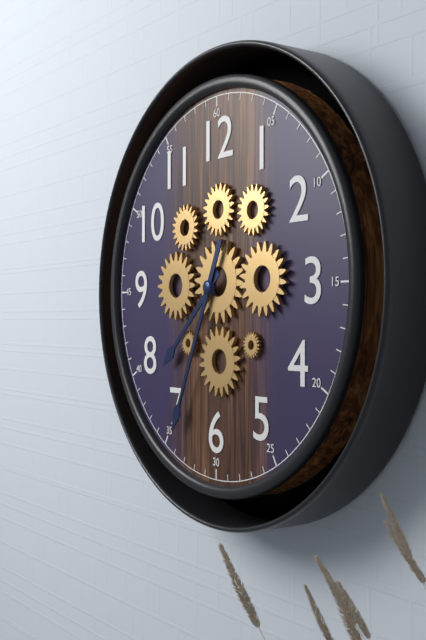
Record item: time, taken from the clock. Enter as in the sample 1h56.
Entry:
7h34
